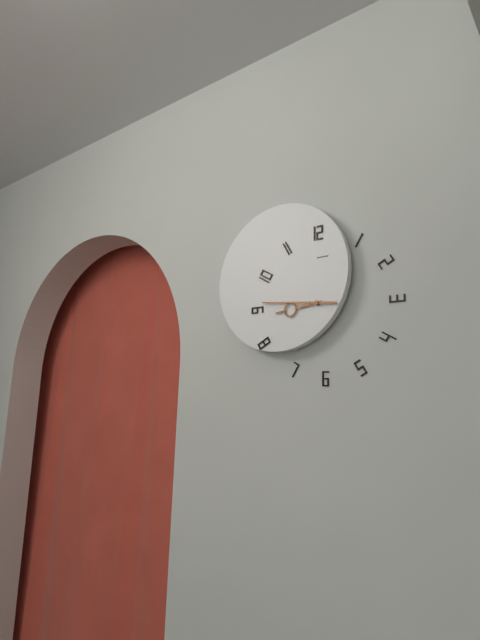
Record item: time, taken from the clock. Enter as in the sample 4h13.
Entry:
8h46
